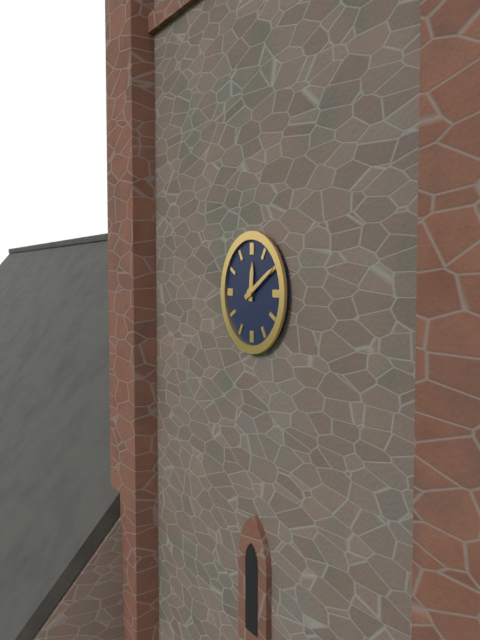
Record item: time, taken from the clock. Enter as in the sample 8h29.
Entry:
12h10
